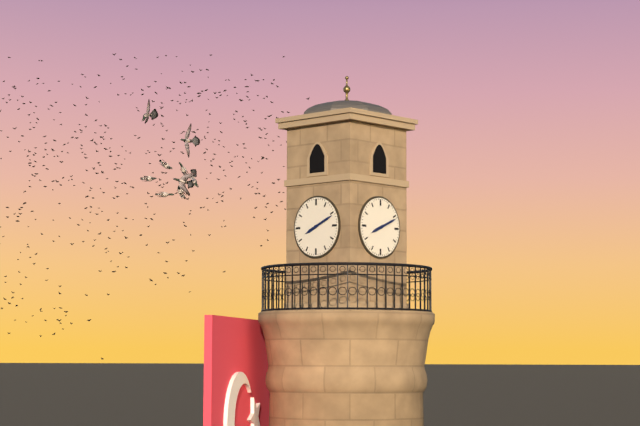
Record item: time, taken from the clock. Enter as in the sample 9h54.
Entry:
8h11
